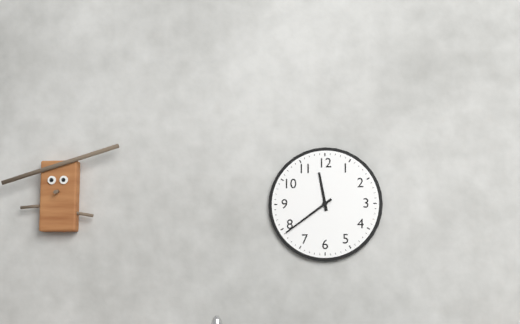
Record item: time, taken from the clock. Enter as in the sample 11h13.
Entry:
11h39
